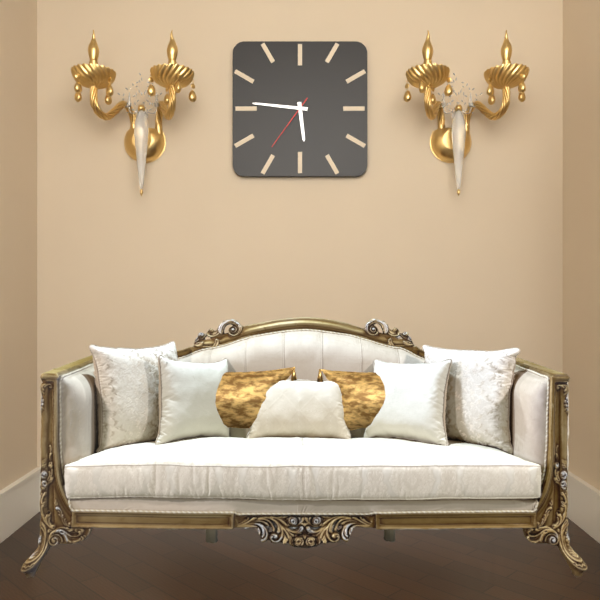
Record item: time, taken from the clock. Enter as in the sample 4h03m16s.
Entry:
5h46m36s
